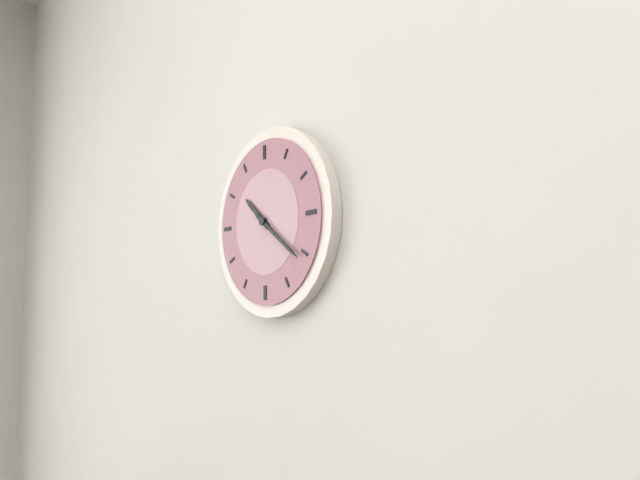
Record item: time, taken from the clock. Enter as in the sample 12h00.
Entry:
10h21
